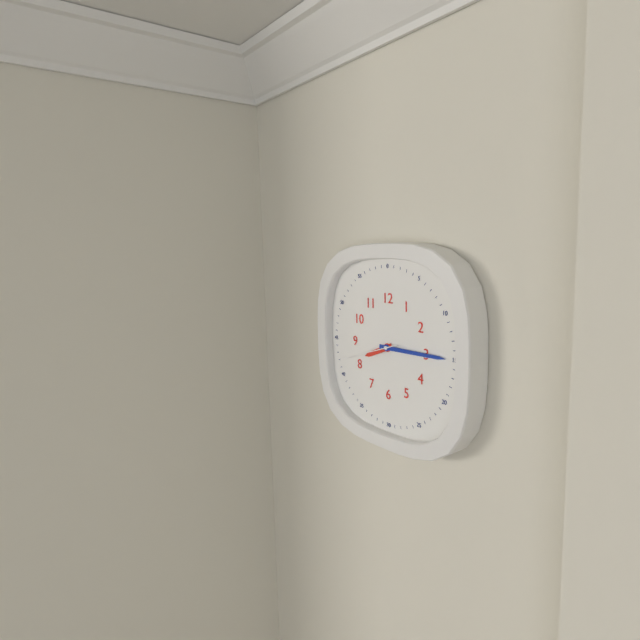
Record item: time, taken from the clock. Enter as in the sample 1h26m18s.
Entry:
8h15m42s
